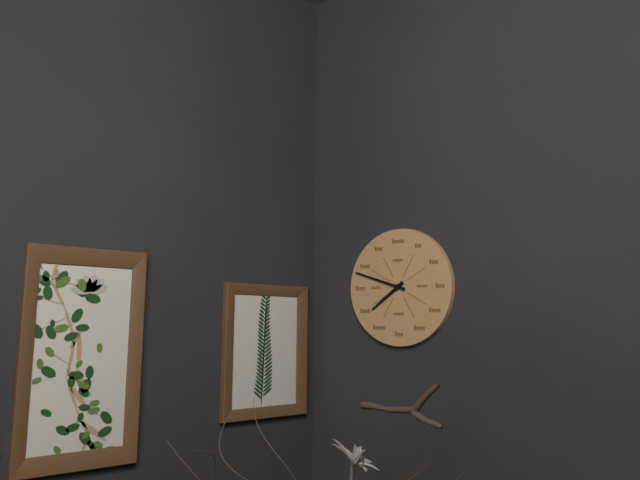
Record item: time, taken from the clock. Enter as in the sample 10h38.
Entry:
7h48
